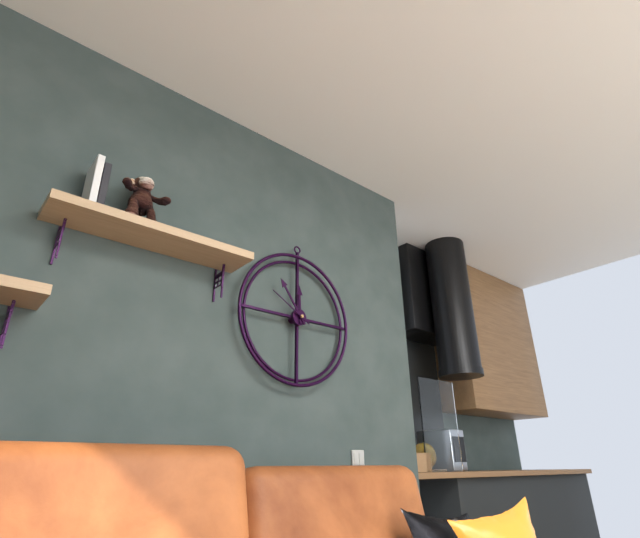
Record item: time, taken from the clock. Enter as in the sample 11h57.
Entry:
11h54
